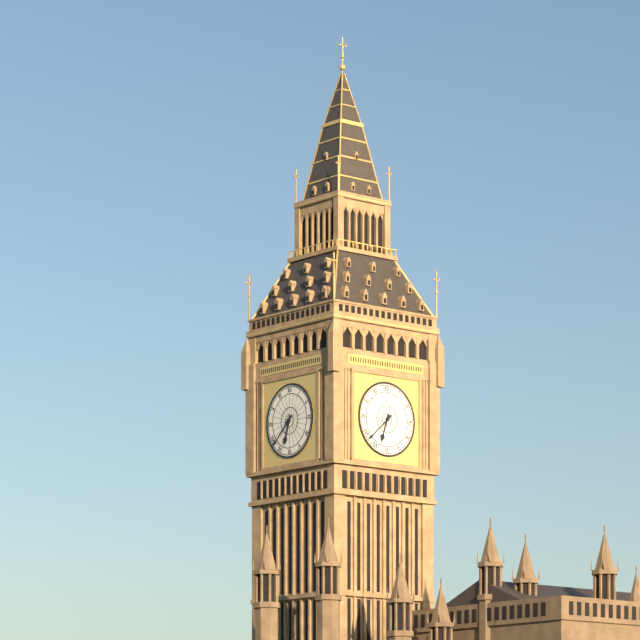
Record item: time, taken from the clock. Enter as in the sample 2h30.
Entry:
6h38
